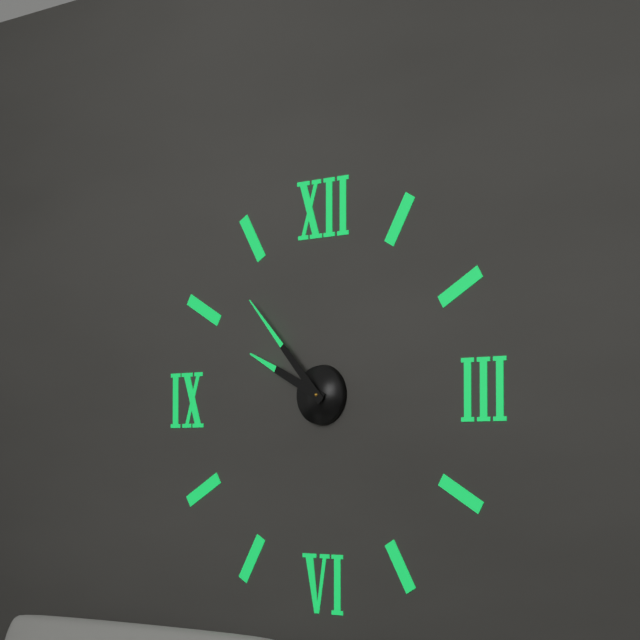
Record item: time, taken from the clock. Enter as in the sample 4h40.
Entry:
9h53
